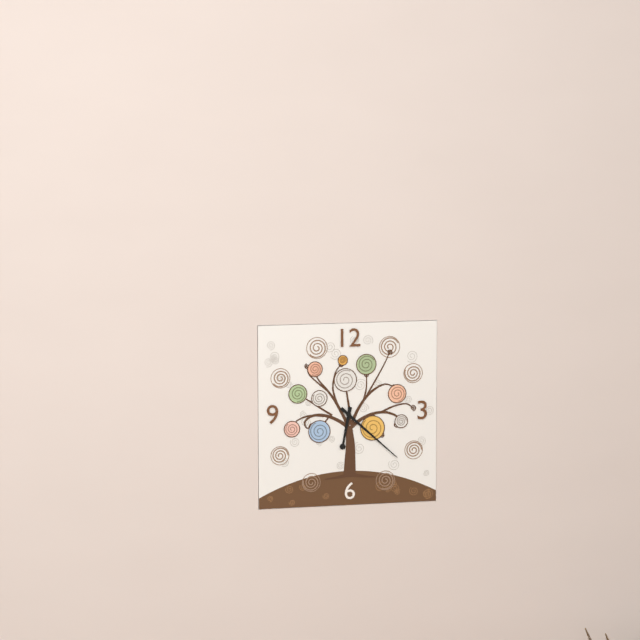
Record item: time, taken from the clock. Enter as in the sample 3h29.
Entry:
6h22
